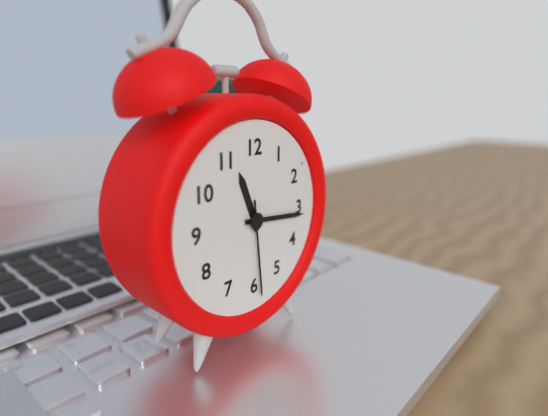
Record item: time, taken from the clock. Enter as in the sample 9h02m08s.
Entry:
11h16m29s
